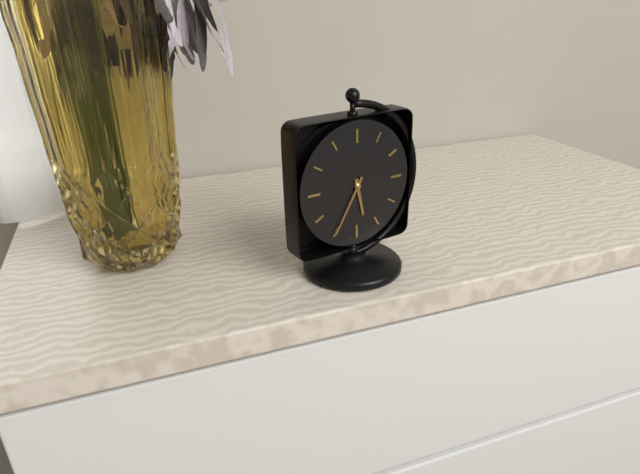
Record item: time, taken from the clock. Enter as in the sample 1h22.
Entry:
5h35
